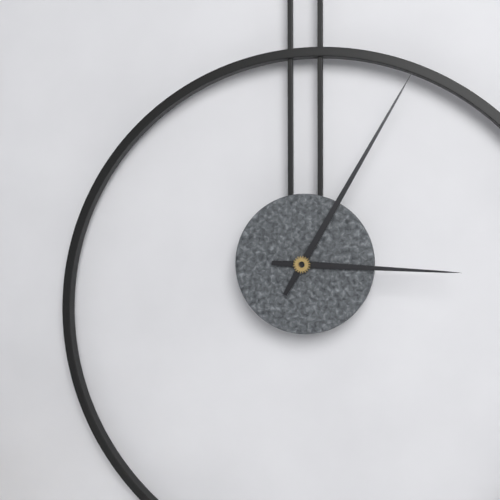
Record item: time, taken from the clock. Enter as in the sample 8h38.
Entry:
3h05
